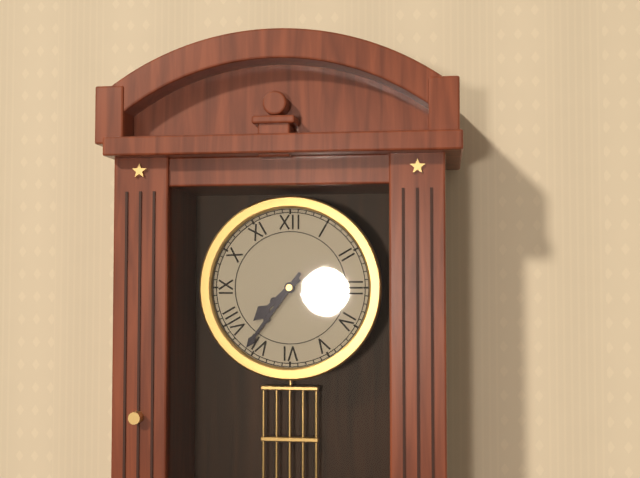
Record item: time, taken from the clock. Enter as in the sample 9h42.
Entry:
7h36
